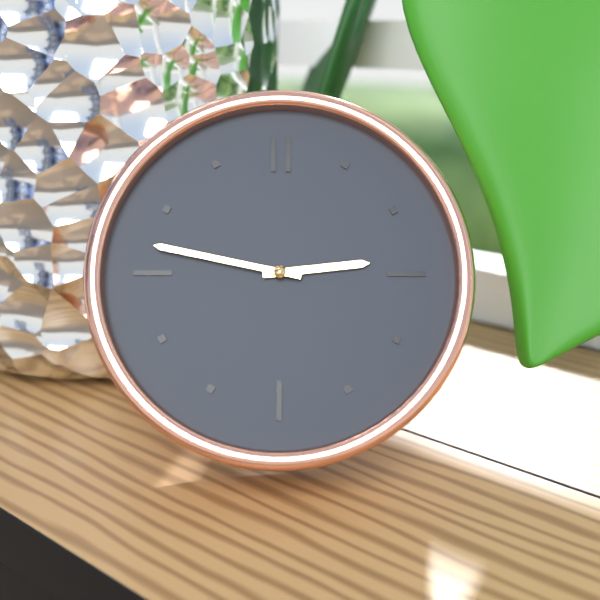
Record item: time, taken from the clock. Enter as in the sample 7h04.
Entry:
2h47
